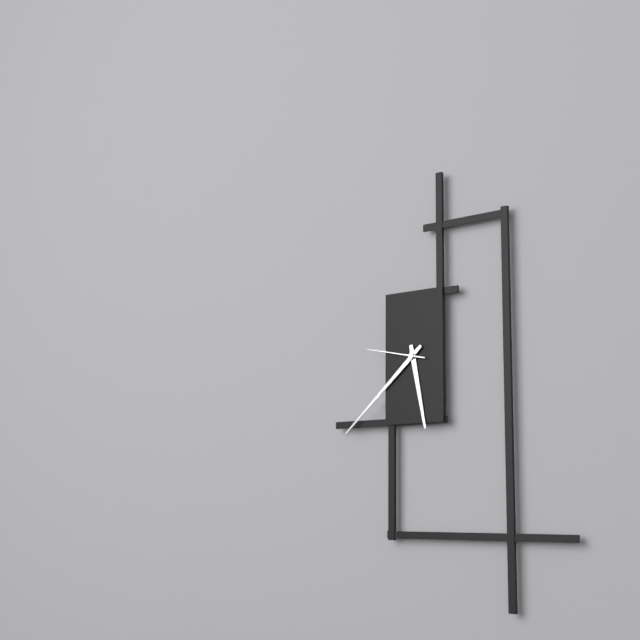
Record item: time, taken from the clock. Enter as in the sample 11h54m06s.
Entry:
5h38m47s
